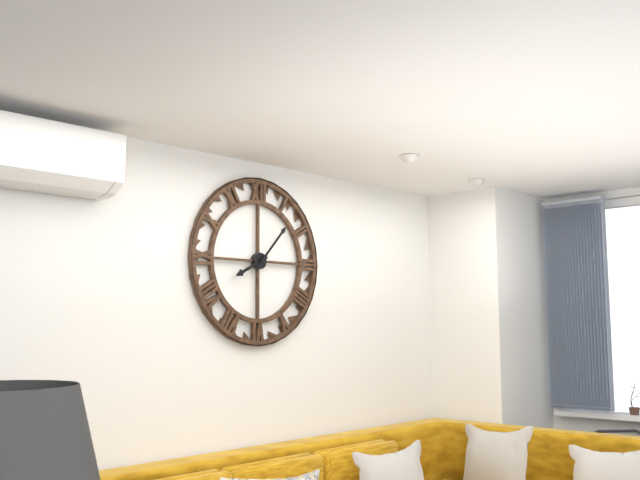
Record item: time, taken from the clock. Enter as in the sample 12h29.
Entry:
8h07
